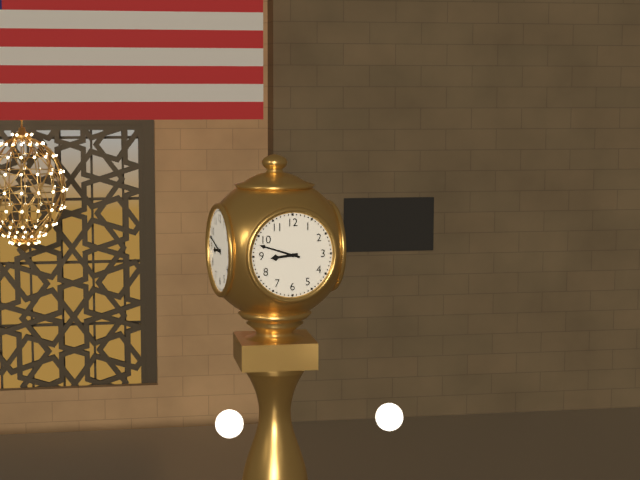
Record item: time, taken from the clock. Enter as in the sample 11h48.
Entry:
8h48
